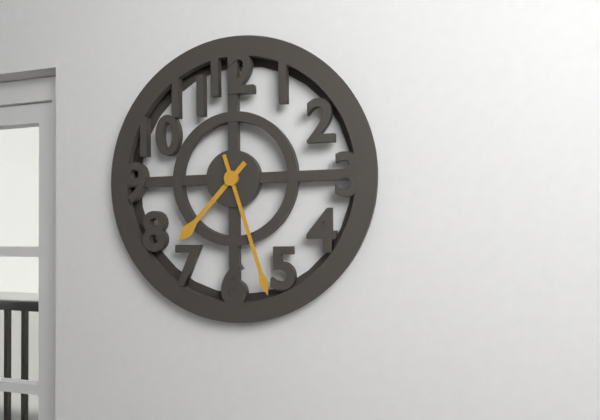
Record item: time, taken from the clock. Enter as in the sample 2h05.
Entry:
7h27
